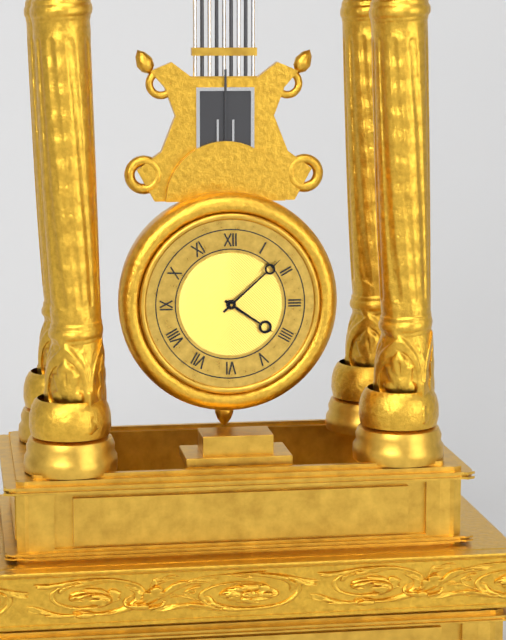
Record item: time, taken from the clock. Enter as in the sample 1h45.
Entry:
4h08
